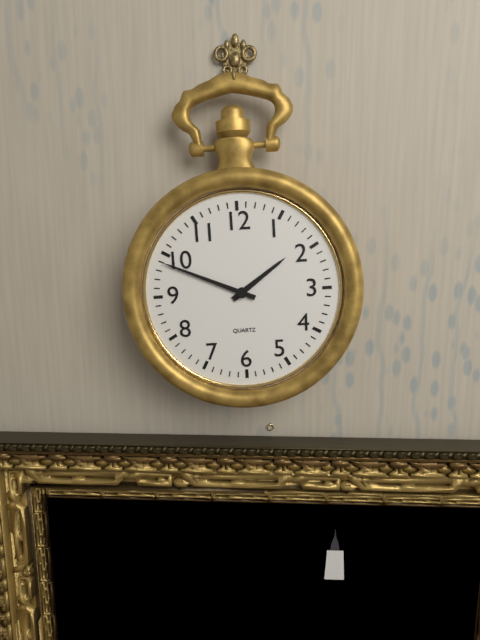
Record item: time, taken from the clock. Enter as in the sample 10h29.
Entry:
1h49
